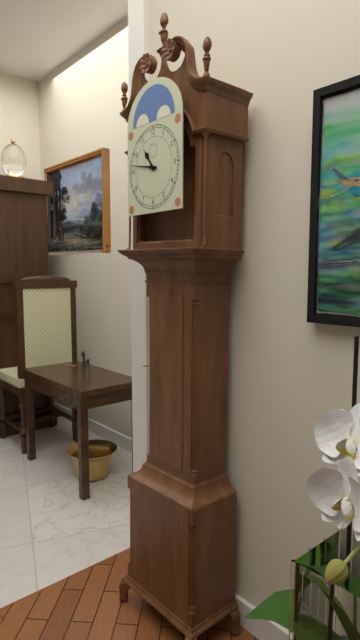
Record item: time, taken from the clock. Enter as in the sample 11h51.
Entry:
10h47
